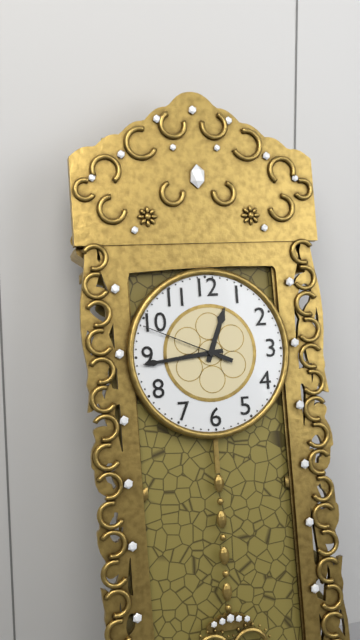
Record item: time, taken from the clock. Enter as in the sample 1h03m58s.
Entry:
12h44m49s
